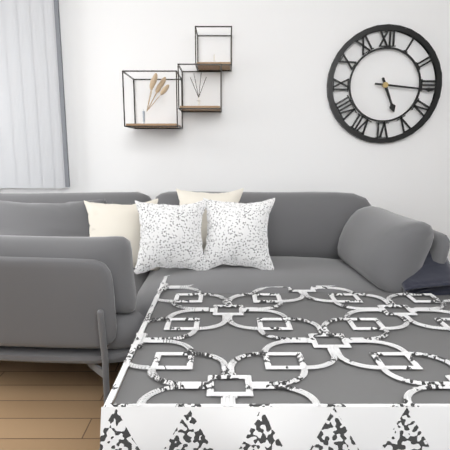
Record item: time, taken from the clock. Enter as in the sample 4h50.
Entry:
5h16
